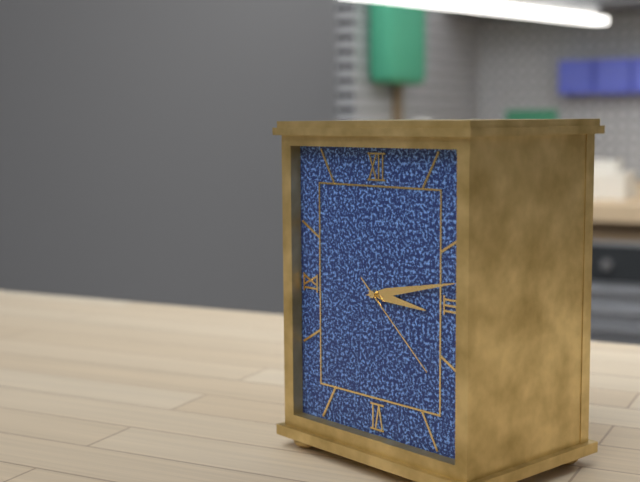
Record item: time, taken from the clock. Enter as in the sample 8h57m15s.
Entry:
3h13m22s
